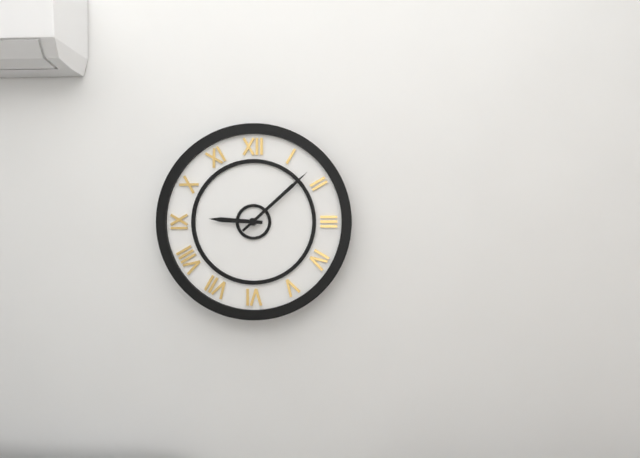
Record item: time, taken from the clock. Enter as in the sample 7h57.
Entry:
9h08
